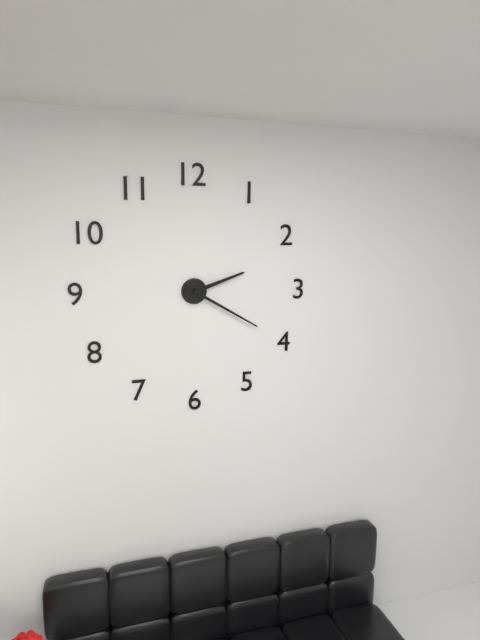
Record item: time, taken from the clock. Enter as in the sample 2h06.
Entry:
2h20
